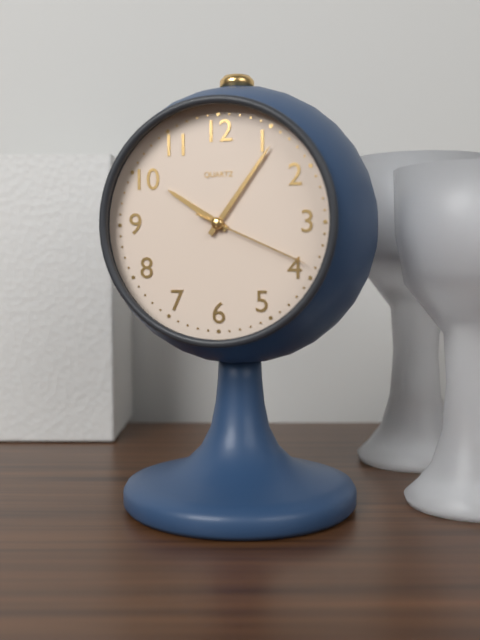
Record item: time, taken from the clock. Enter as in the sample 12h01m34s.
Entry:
10h06m19s
